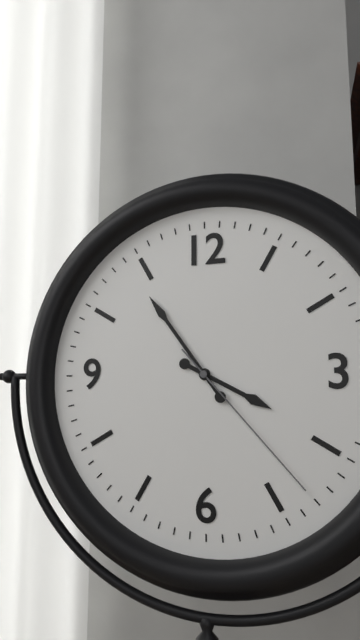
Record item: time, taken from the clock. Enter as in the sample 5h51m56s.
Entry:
3h54m23s
